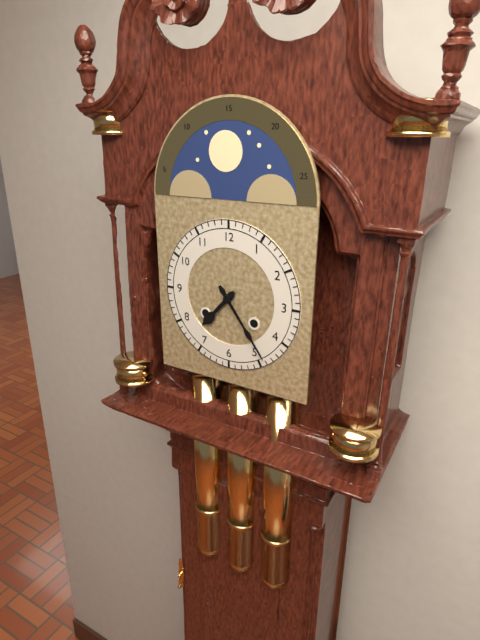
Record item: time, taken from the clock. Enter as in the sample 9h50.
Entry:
7h24
